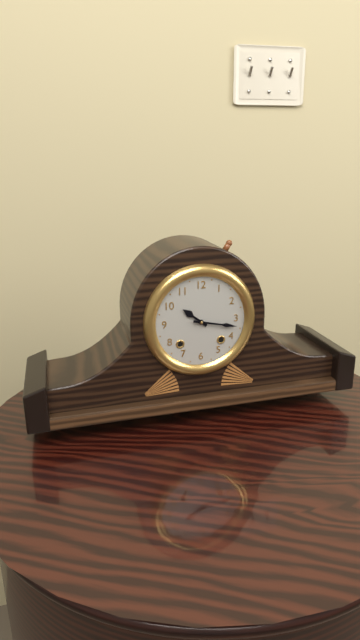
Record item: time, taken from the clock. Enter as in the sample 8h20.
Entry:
10h17
